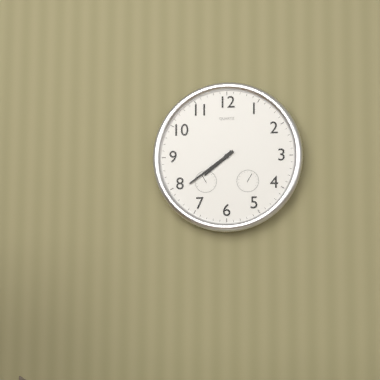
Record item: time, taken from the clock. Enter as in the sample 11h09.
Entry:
7h39
